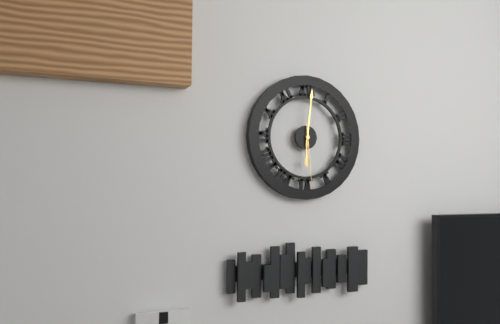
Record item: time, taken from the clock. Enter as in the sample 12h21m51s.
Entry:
6h01m29s
